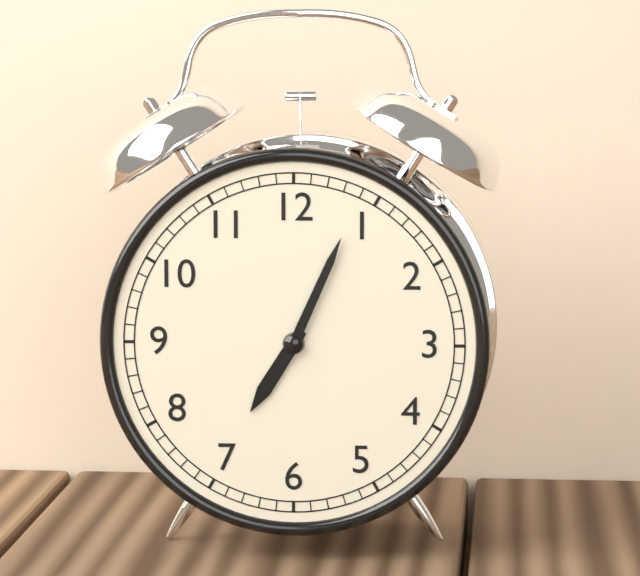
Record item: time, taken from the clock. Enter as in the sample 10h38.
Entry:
7h04
